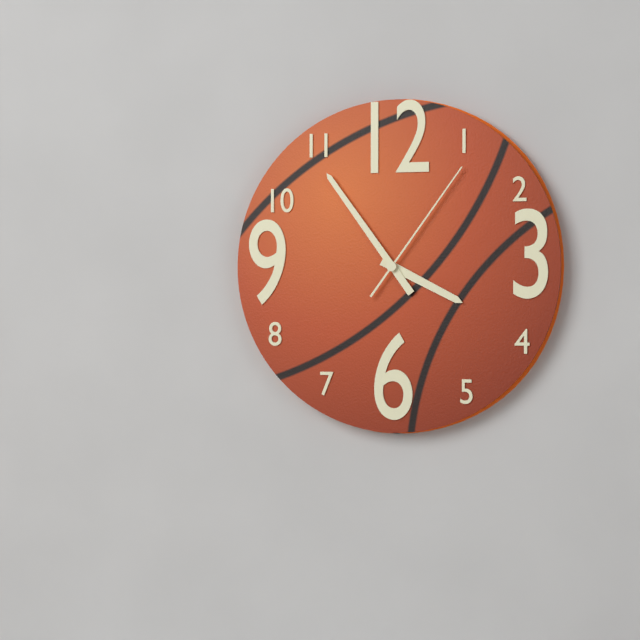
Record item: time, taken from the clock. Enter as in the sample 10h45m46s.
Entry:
3h54m06s
